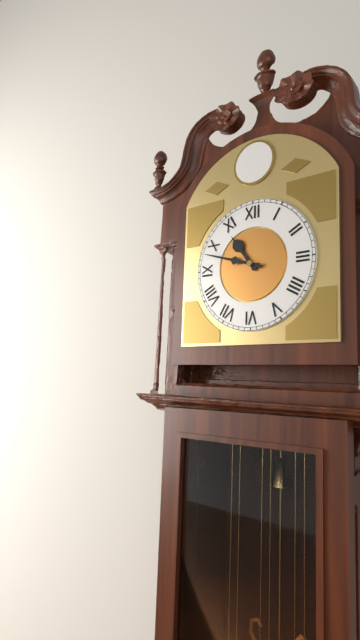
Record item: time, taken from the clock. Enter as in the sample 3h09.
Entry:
10h48
